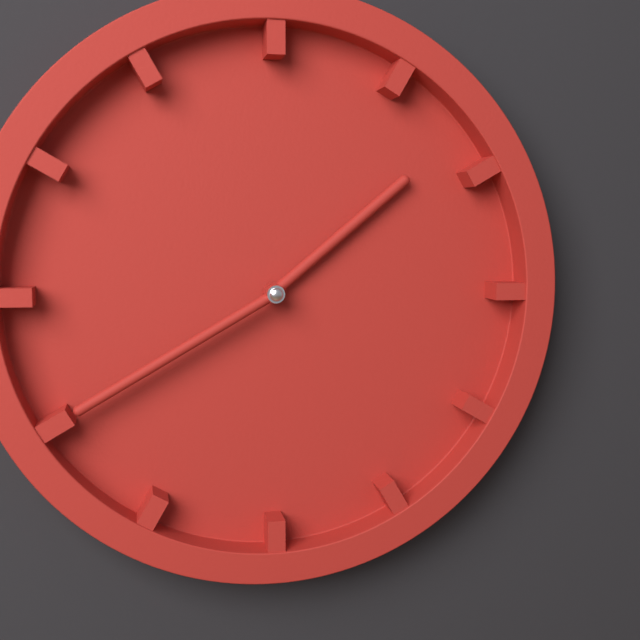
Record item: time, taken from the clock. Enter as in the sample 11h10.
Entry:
1h40
